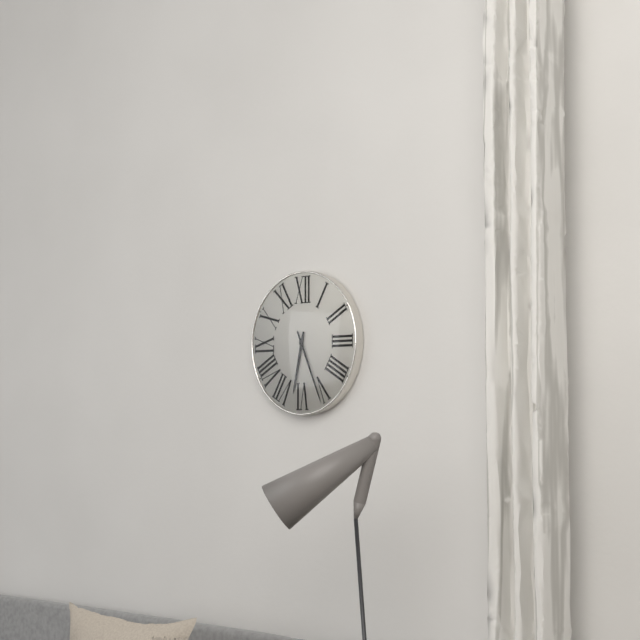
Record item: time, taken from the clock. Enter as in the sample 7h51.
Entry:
6h26
